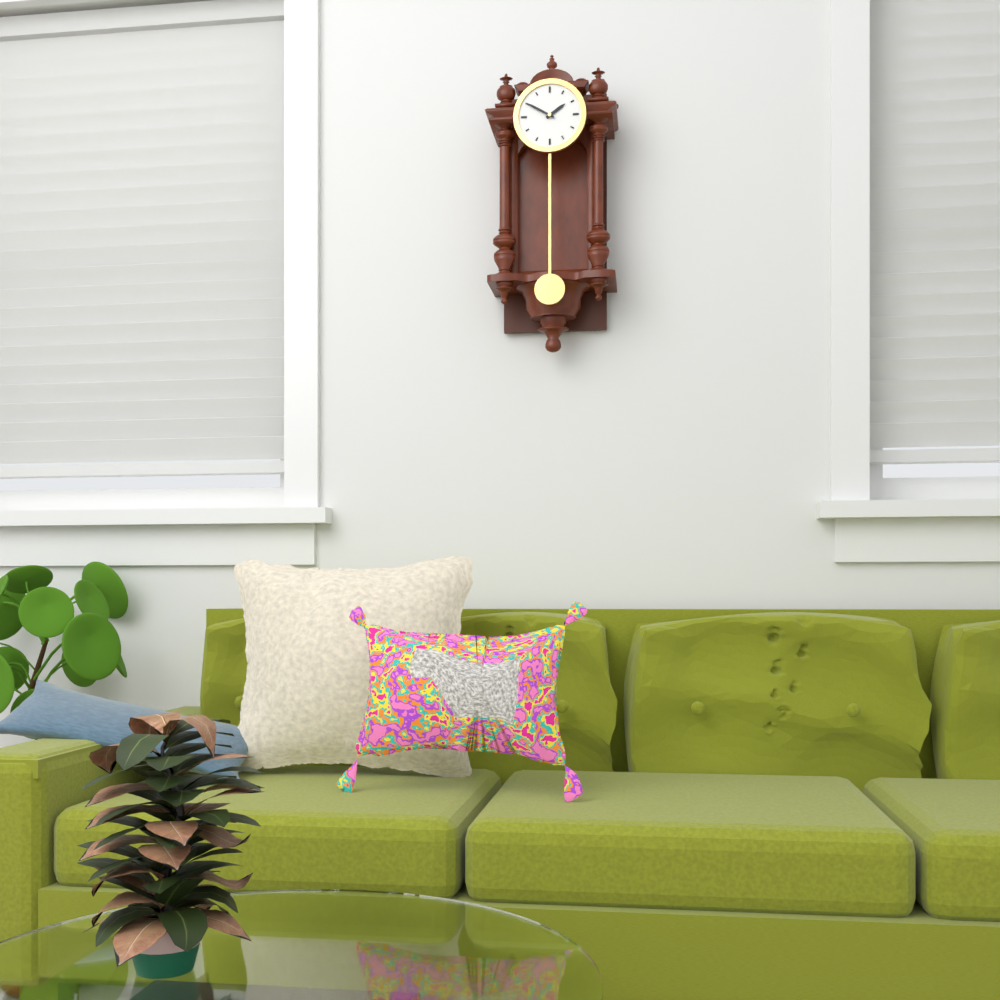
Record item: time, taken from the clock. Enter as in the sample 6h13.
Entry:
1h50
